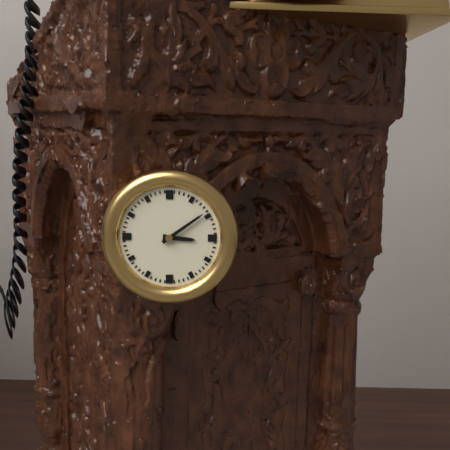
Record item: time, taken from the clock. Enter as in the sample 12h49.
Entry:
3h09
